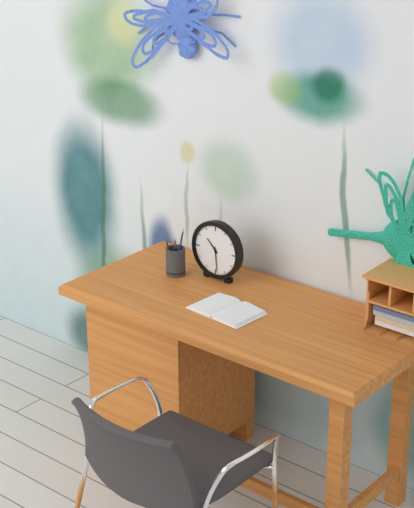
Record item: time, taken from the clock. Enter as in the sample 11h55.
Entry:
10h29
